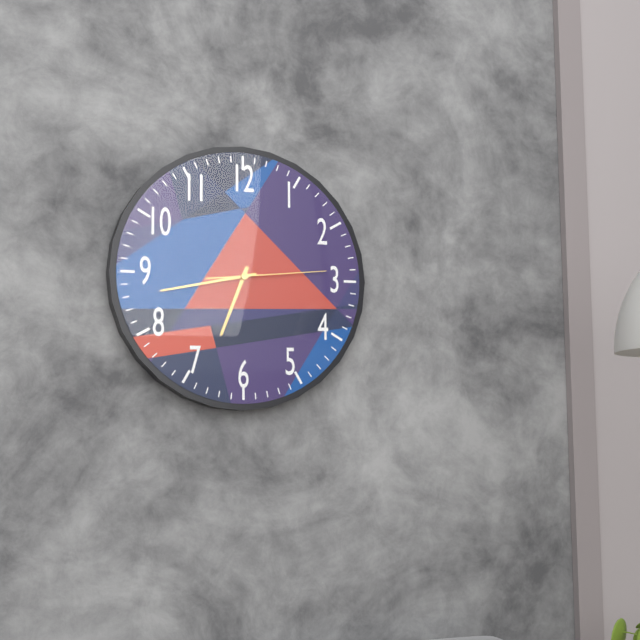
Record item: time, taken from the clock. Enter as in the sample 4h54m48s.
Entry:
6h43m14s
